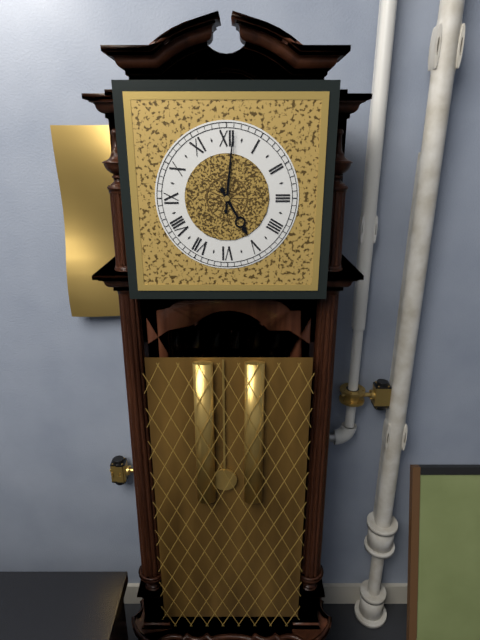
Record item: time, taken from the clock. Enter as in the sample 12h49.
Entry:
5h01
